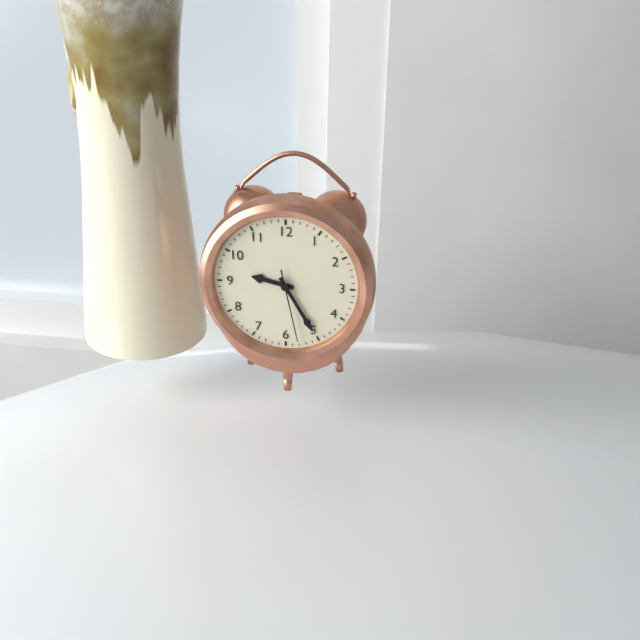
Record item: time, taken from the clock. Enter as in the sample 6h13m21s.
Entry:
9h25m28s
